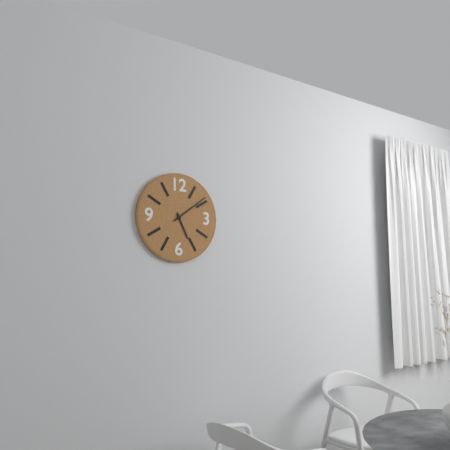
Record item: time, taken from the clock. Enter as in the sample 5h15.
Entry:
5h09
